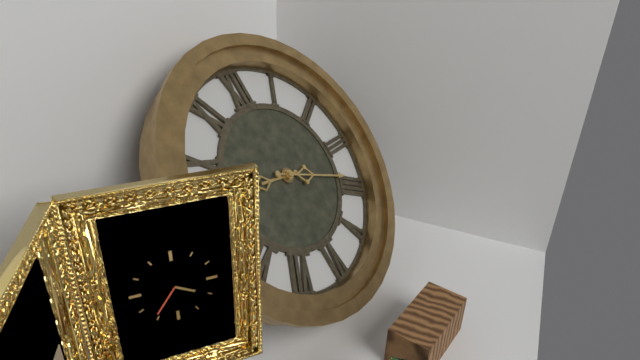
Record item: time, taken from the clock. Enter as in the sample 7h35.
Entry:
9h19
